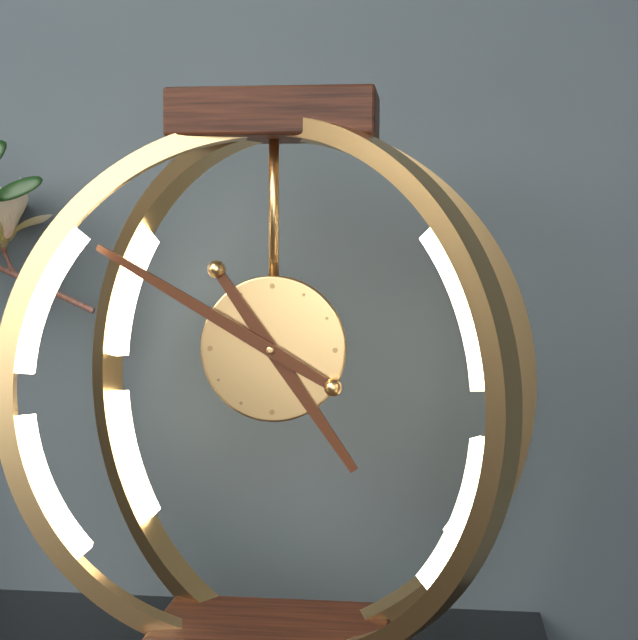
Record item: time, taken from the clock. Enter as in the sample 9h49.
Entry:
4h50
